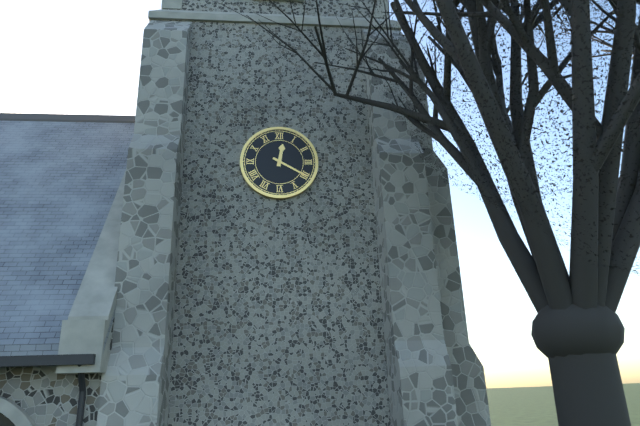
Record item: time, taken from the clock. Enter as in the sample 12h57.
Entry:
12h20
